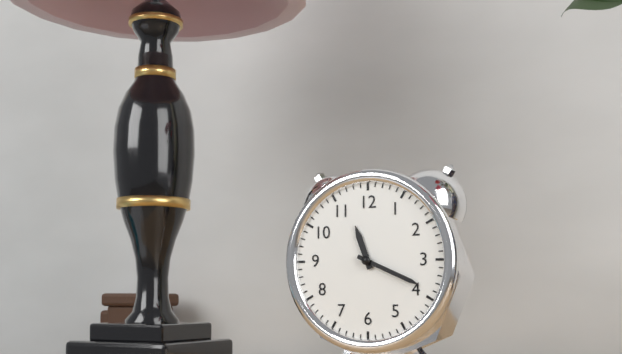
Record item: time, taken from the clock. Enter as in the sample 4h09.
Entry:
11h19
